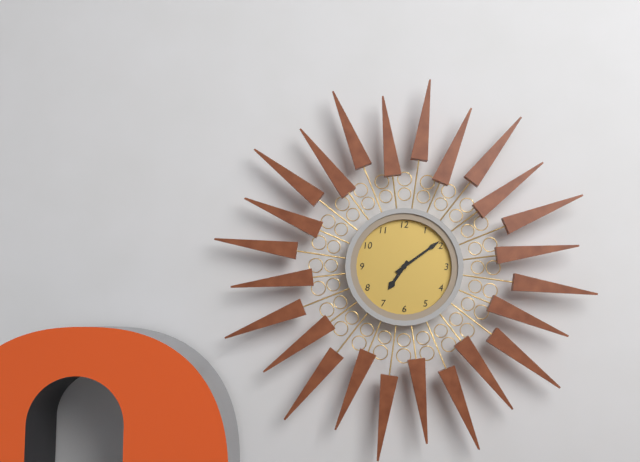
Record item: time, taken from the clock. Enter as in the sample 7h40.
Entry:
7h09
